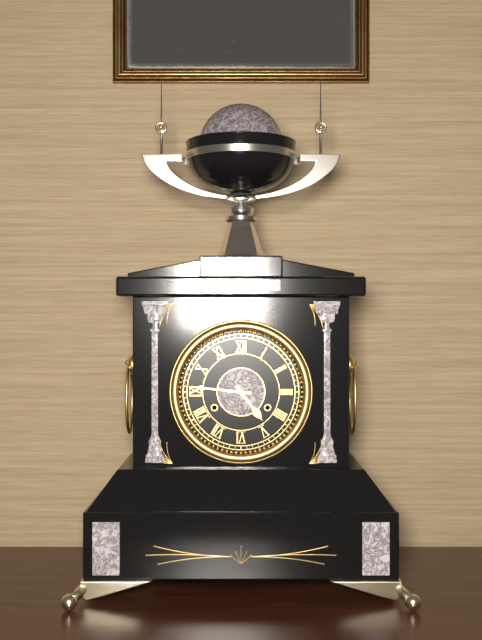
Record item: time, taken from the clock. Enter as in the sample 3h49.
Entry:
4h46
